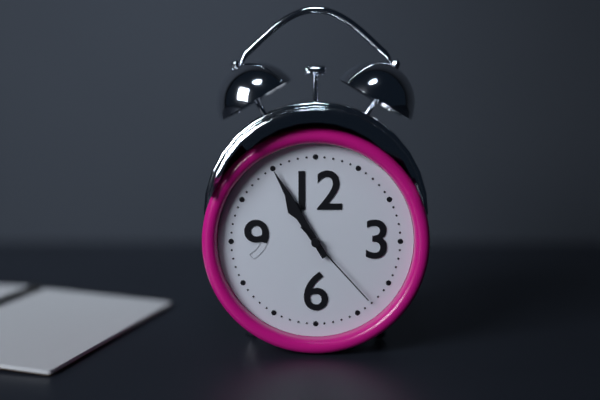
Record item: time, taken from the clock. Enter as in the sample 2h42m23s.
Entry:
10h55m23s
